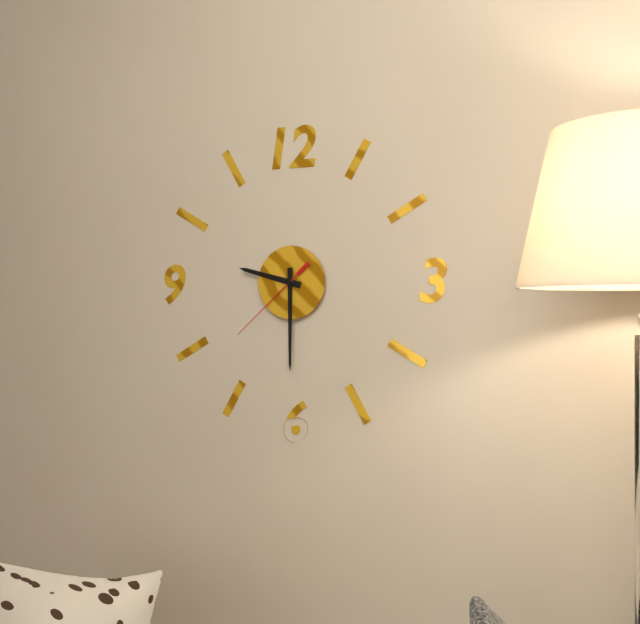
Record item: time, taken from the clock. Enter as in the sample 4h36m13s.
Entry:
9h30m38s
